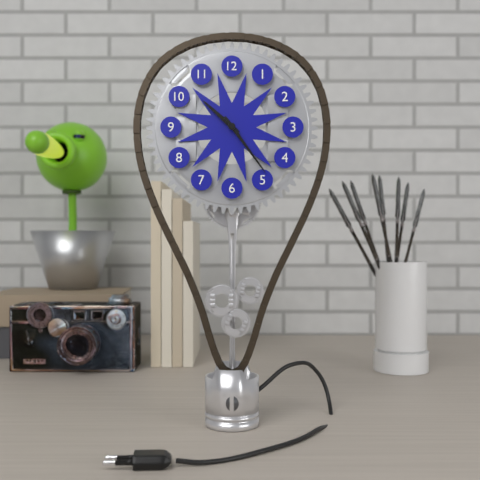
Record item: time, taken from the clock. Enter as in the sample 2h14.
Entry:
10h24
